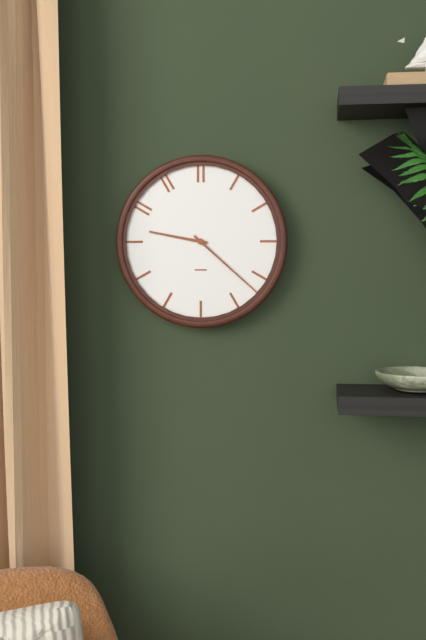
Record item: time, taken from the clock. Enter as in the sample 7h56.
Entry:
9h22
